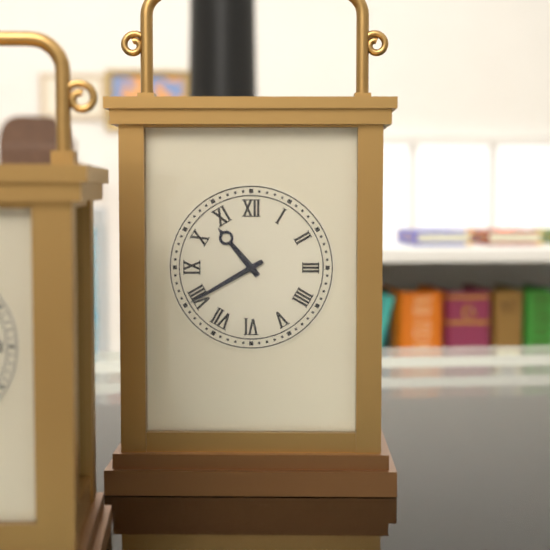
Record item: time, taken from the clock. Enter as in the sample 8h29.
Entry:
10h40
